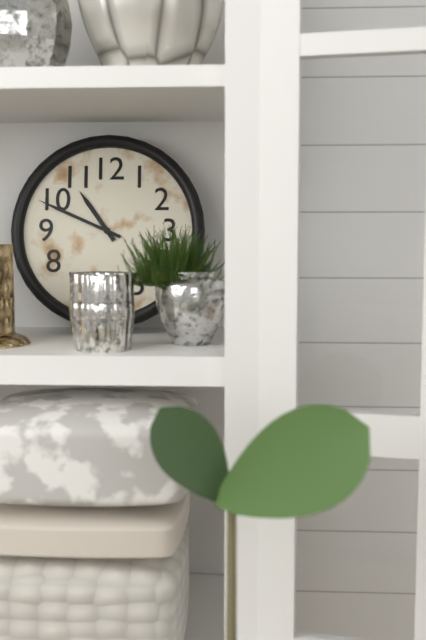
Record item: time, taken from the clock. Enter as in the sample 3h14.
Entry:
10h49
